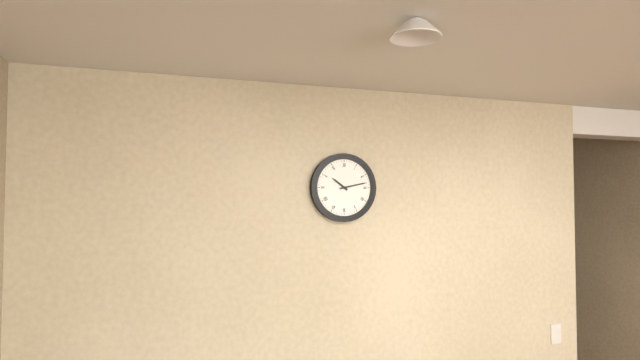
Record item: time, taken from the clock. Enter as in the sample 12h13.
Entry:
10h13
